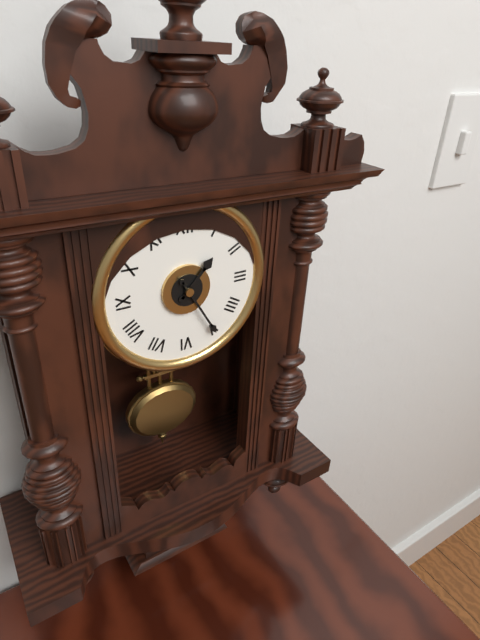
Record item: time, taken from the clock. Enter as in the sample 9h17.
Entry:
1h25
